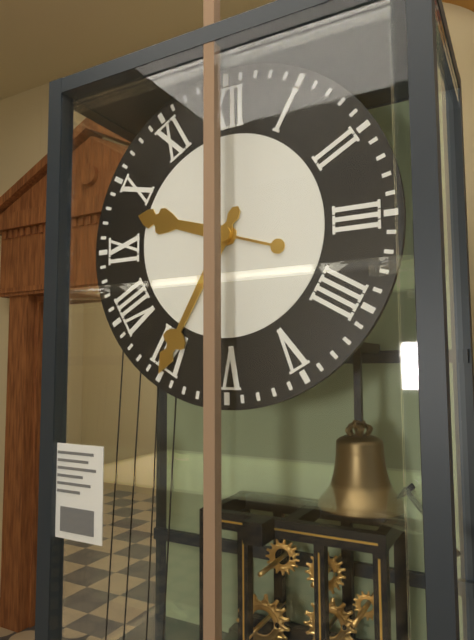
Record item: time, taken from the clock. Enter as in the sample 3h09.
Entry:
9h35
